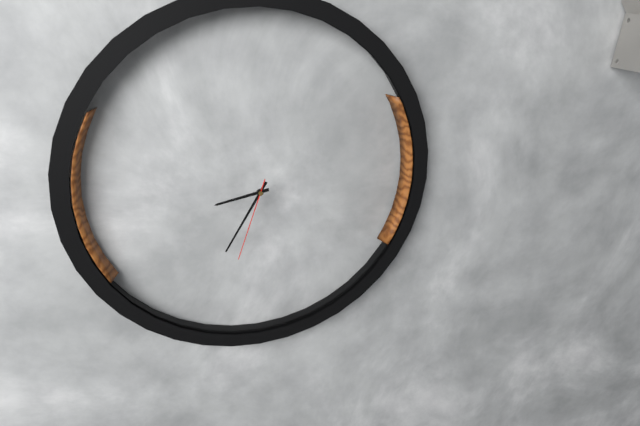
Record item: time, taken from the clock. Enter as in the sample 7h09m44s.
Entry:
8h35m33s
